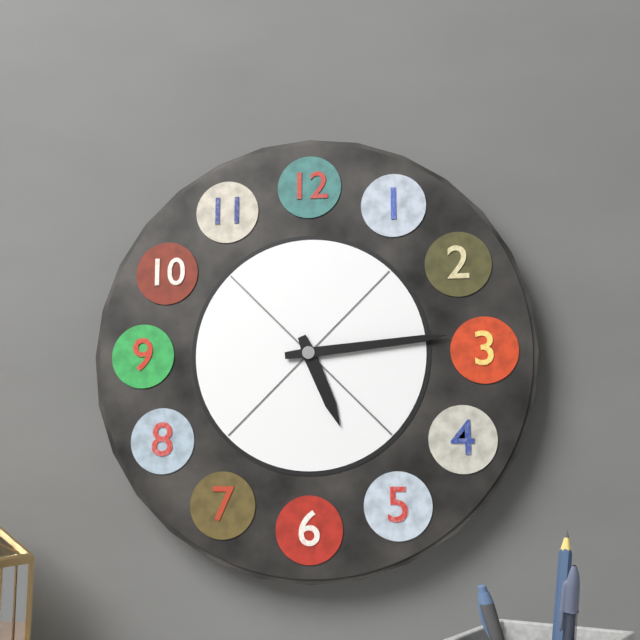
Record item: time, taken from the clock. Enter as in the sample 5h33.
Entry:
5h14
